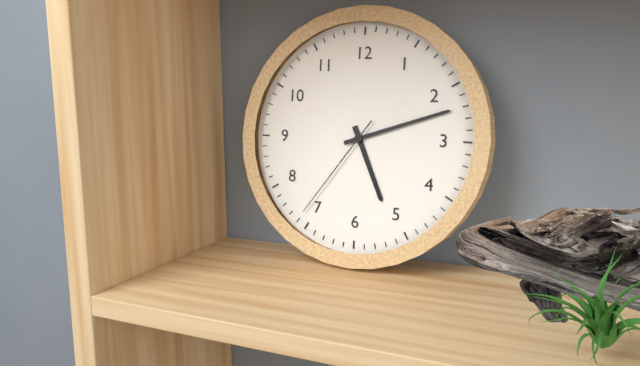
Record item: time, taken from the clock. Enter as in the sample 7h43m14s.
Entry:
5h12m36s
